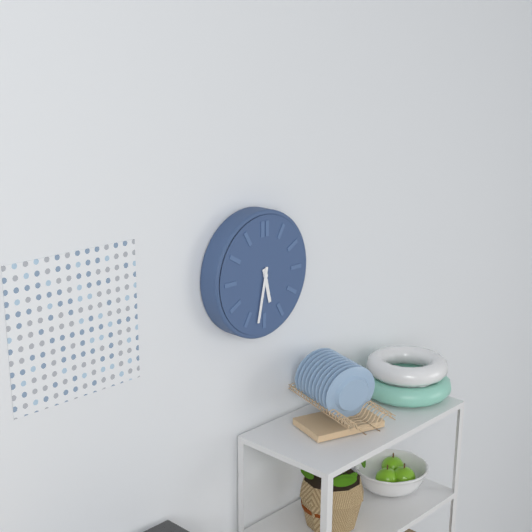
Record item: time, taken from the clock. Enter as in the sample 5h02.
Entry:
5h32
